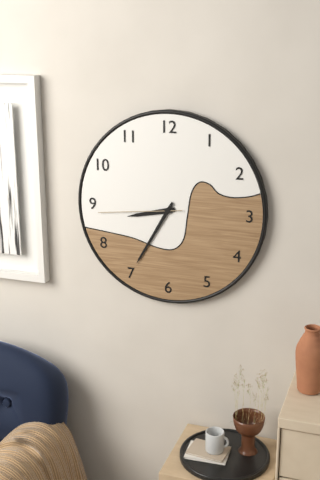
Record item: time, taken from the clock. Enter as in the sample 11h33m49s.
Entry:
8h35m44s
